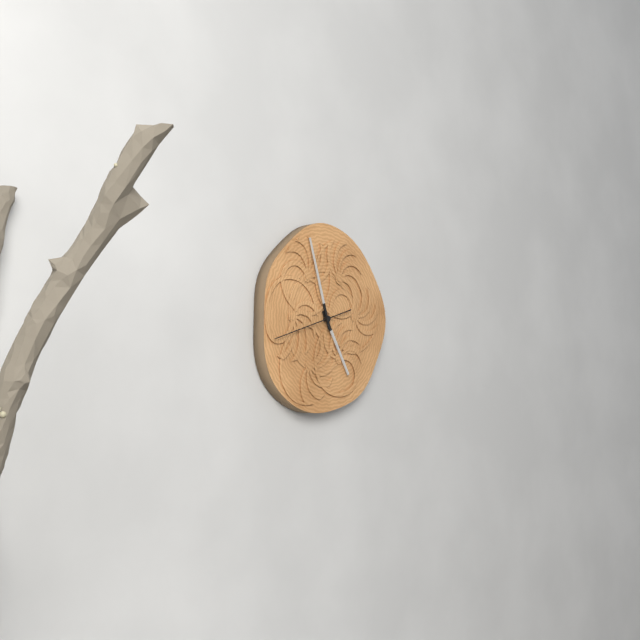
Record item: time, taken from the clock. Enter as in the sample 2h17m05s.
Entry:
4h57m42s
